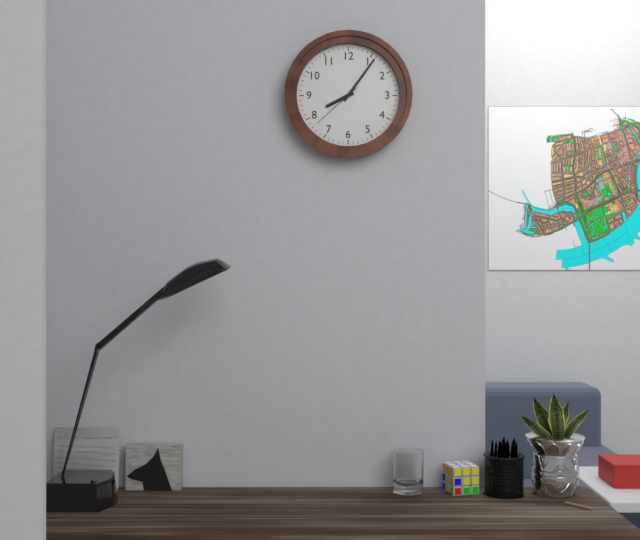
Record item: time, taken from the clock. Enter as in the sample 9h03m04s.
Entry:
8h06m38s
